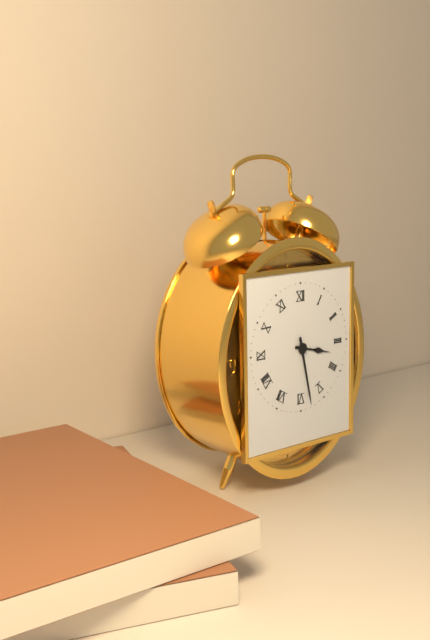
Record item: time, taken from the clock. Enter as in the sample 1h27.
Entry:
3h28
